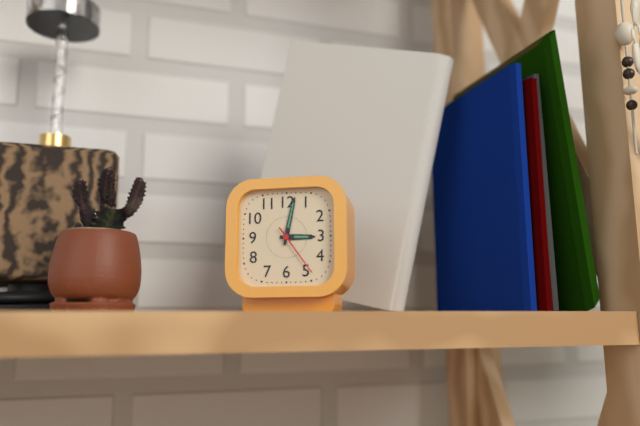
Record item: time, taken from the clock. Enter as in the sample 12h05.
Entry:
3h02
